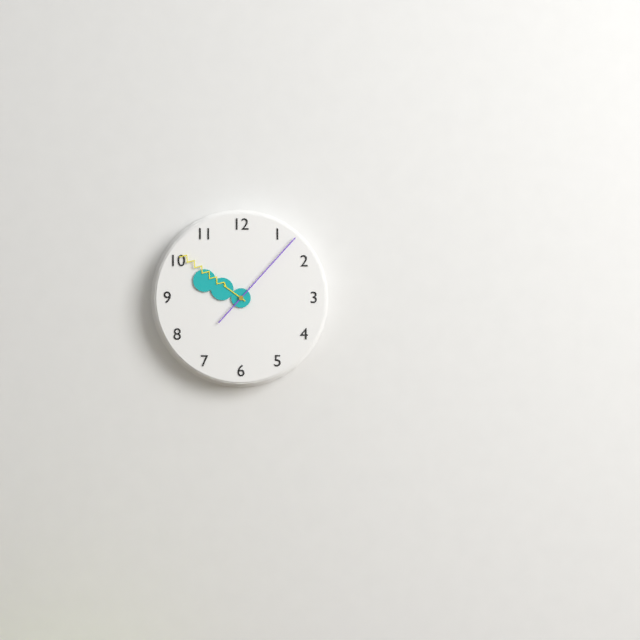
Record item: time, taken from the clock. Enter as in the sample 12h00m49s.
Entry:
9h51m07s
